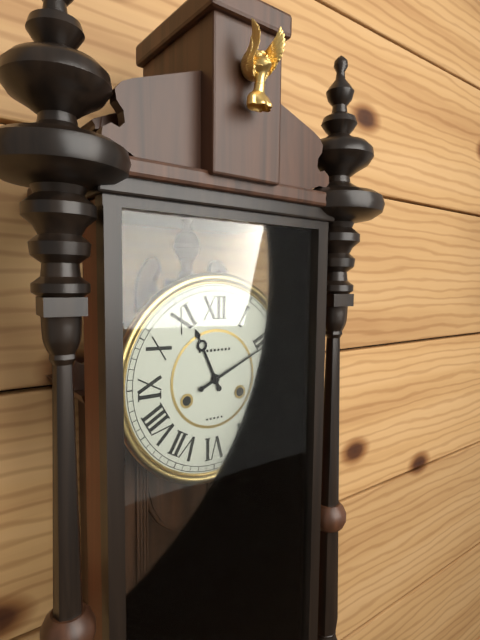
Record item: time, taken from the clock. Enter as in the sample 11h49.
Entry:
11h11
